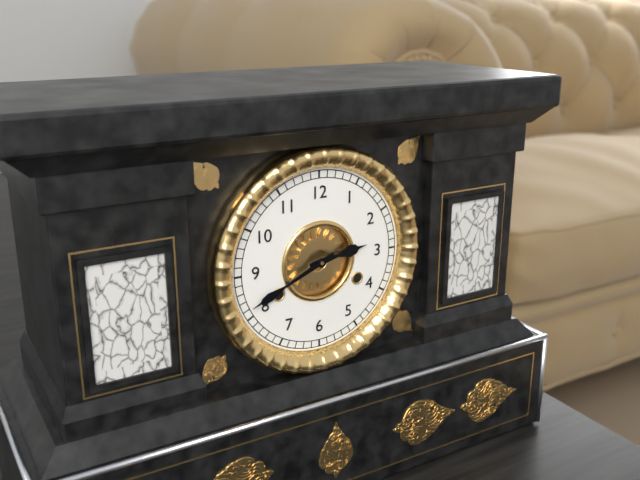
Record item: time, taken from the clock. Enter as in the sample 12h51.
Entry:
2h41
